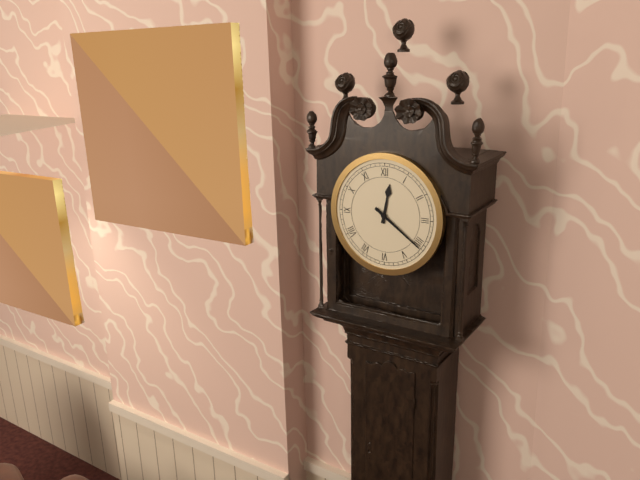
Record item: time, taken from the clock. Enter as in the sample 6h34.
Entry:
12h21
